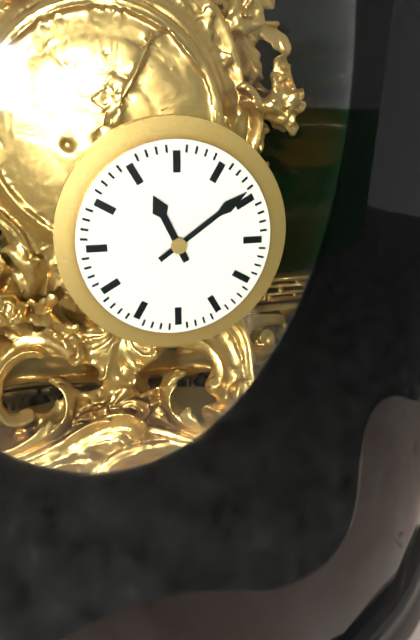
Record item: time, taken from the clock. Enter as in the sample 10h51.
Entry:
11h09
